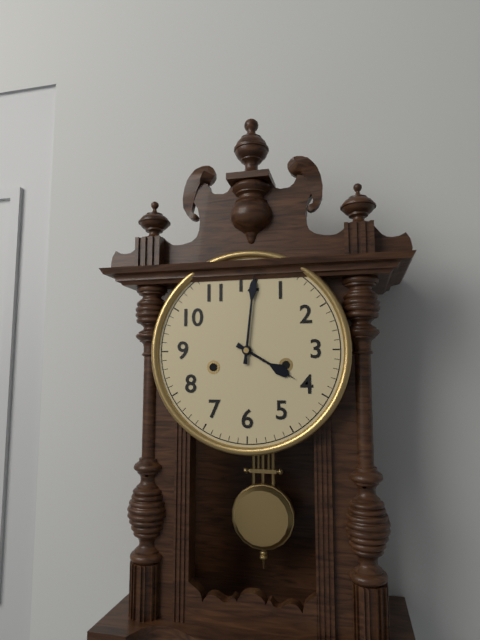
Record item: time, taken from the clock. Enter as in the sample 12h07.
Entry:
4h01
